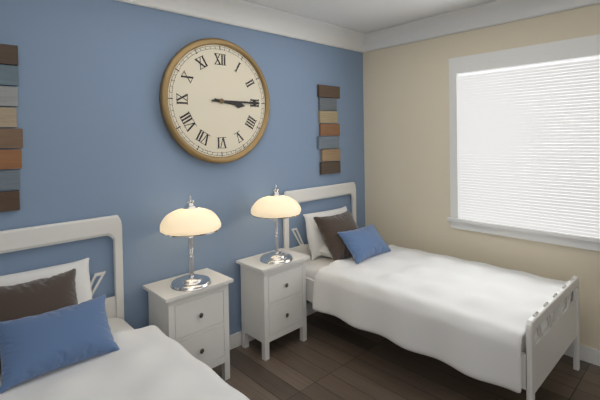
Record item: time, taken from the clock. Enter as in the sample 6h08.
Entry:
3h15
